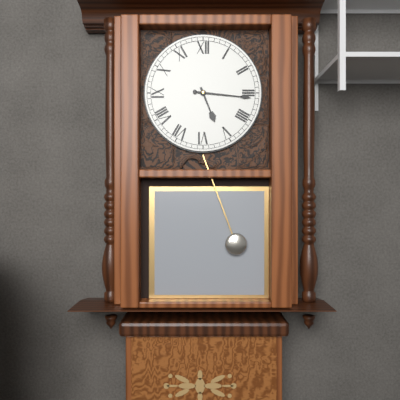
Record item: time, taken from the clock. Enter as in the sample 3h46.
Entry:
5h16
